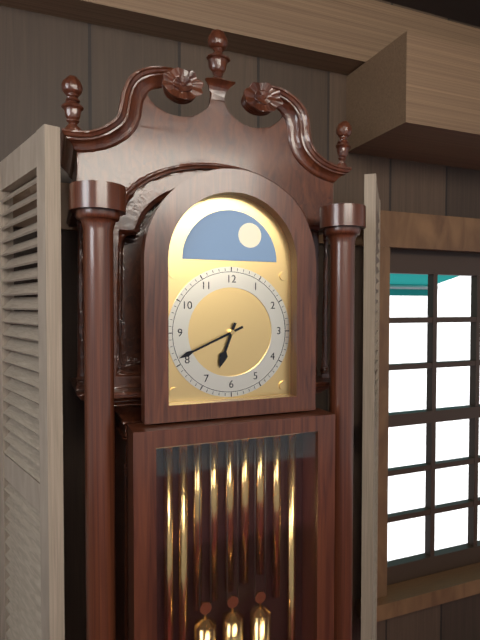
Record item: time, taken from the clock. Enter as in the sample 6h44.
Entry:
6h41
